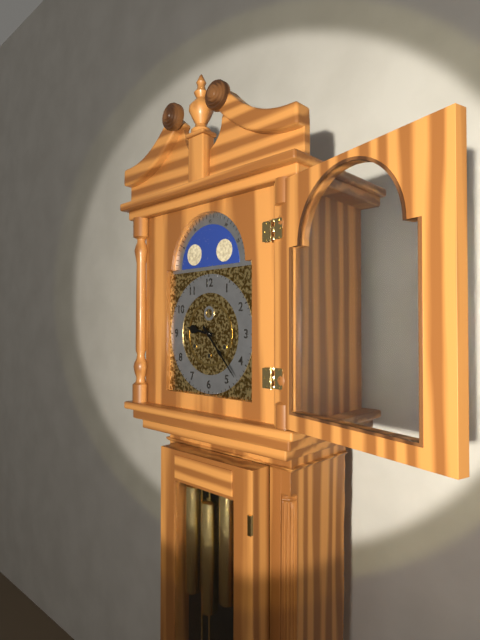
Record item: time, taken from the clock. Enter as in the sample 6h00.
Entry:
9h23
